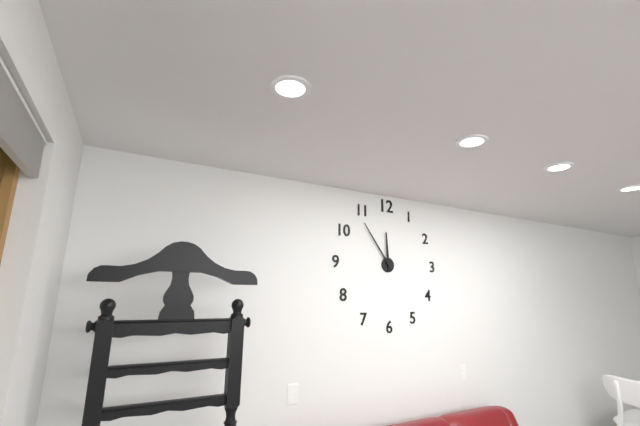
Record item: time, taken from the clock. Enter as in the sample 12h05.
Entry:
11h54
